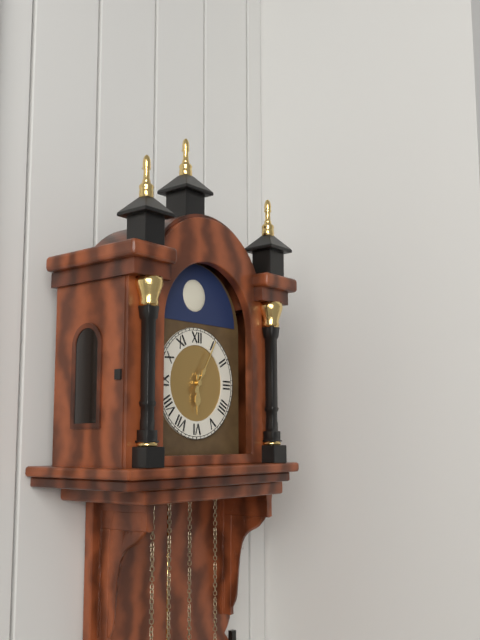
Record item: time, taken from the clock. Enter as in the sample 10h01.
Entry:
6h05
